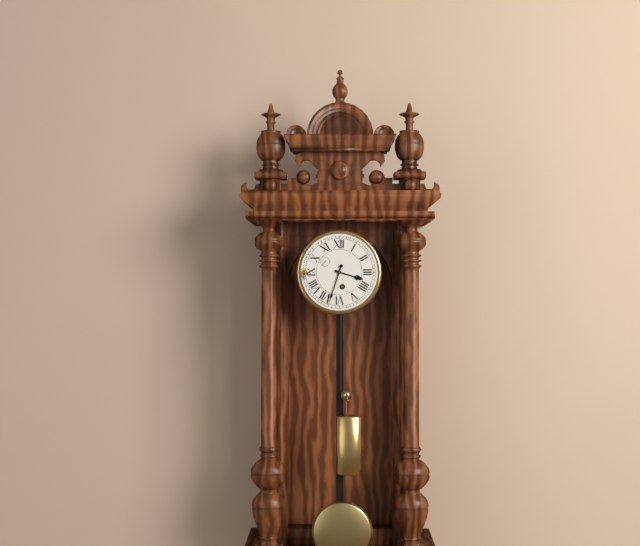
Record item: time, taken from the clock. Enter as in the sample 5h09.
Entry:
3h33
